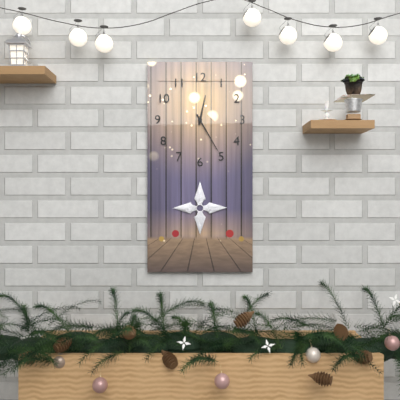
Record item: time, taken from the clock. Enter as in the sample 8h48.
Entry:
12h25
